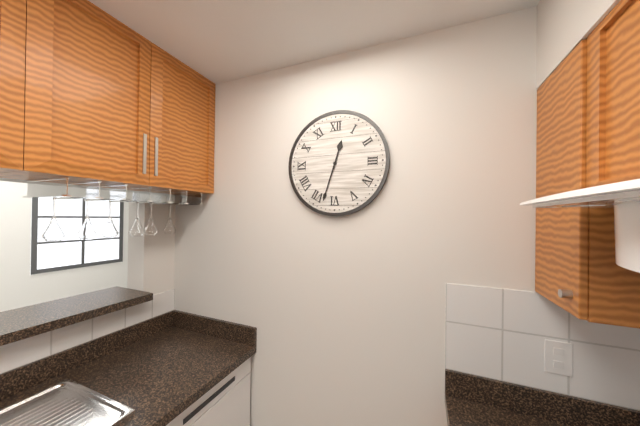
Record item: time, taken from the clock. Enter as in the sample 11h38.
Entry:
12h33
